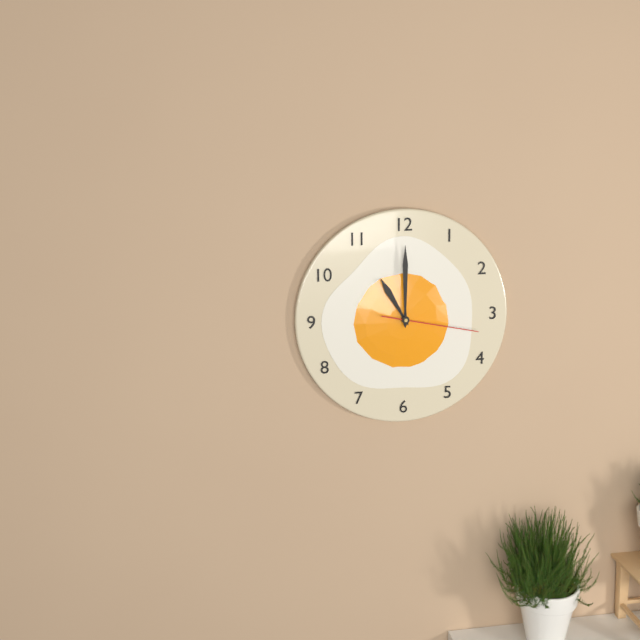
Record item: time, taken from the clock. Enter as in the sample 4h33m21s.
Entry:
11h00m17s
